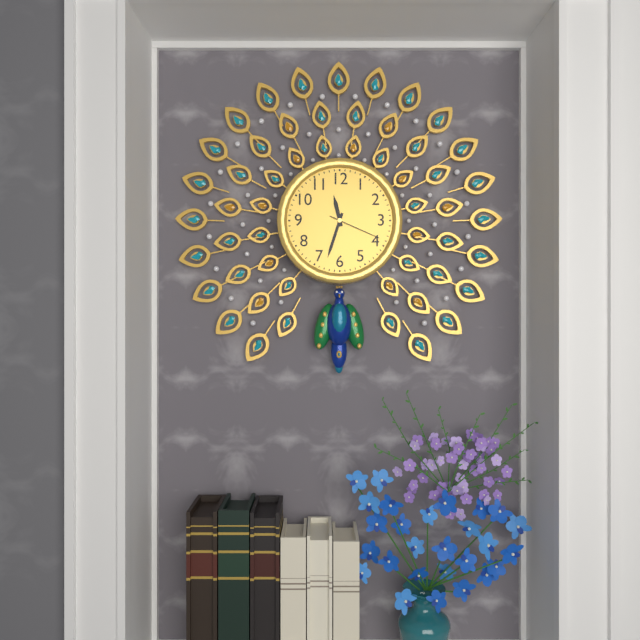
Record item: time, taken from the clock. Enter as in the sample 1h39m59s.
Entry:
11h33m19s
